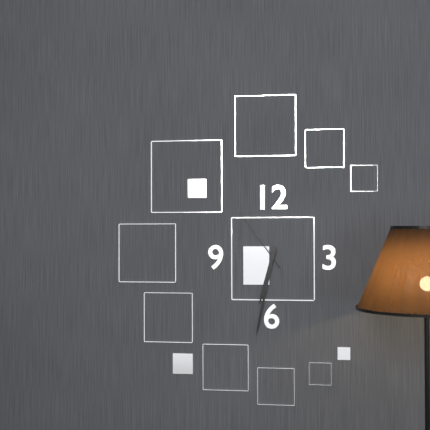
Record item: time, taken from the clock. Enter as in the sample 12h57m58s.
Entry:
6h32m54s
